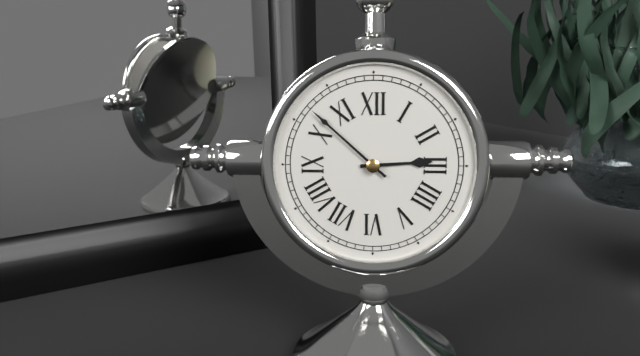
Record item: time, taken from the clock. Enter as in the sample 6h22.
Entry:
2h52
